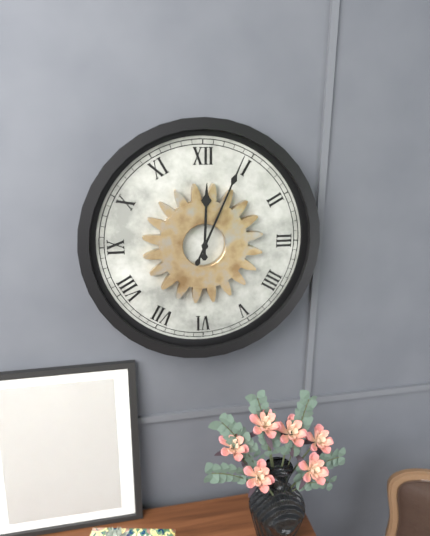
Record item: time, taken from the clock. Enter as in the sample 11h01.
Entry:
12h04
